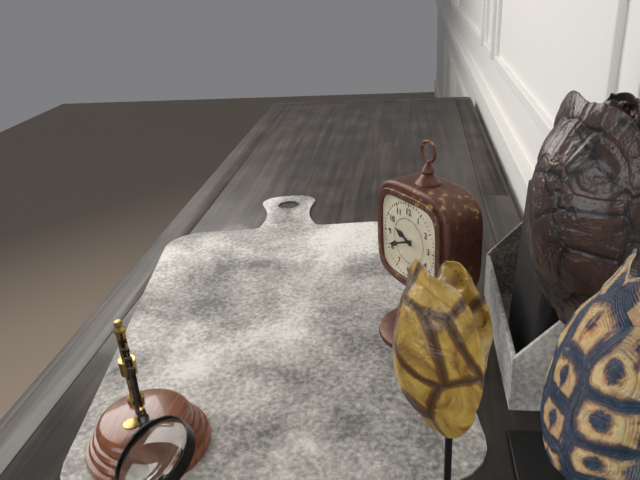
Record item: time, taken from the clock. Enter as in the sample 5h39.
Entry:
9h41
